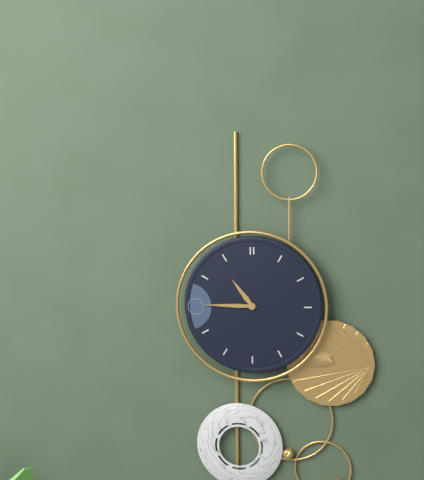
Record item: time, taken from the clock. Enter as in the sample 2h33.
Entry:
10h45
